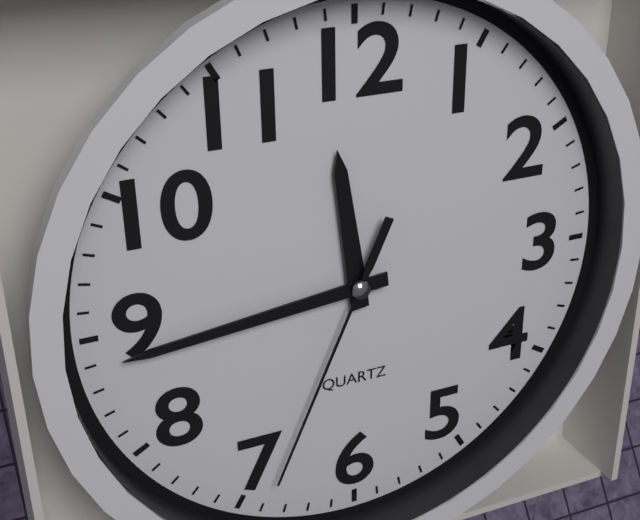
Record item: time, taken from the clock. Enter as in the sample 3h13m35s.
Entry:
11h44m34s
